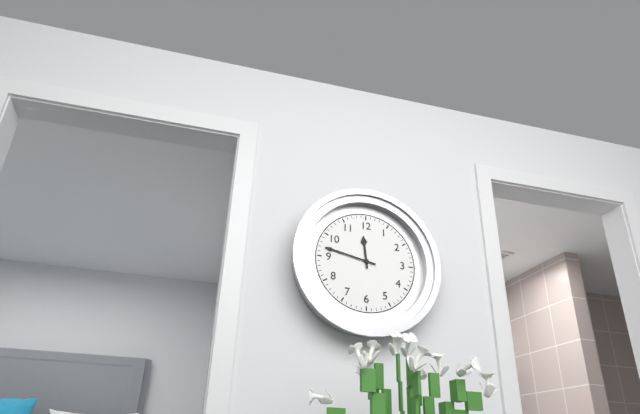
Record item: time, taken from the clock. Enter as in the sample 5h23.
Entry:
11h47
